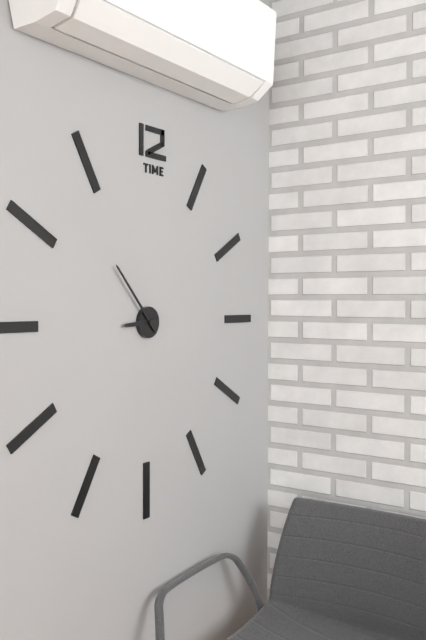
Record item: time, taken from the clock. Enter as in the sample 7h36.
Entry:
8h53
